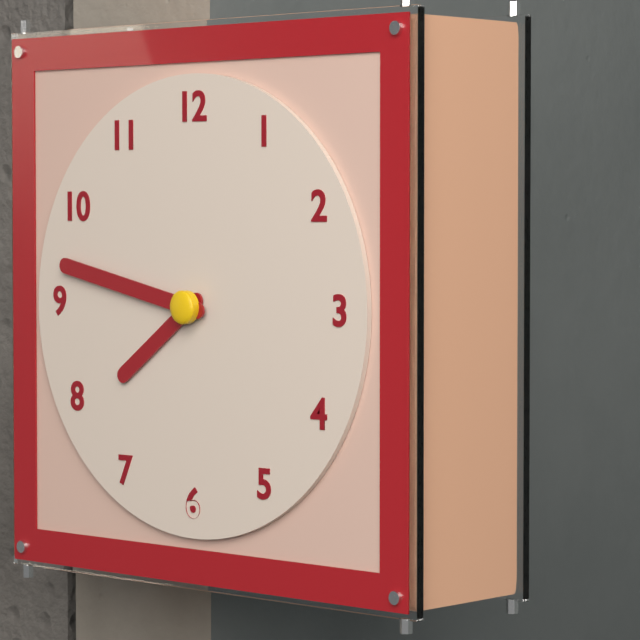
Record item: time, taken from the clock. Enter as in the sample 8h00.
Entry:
7h47
